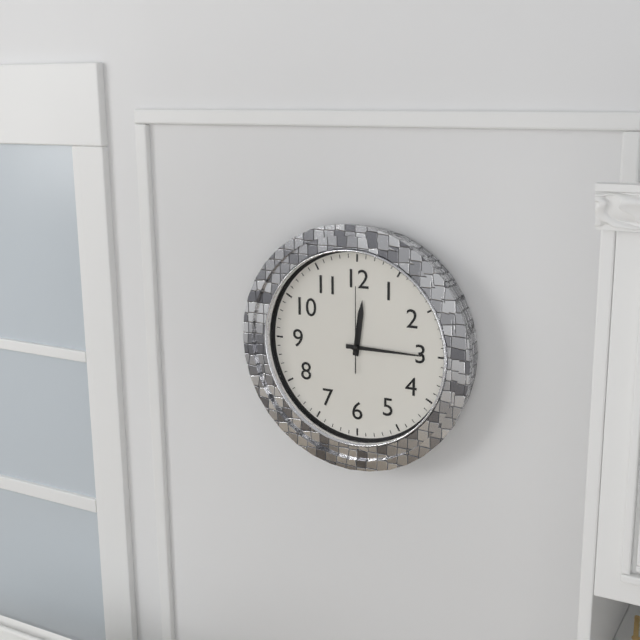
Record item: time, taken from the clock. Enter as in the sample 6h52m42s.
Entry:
12h15m00s
